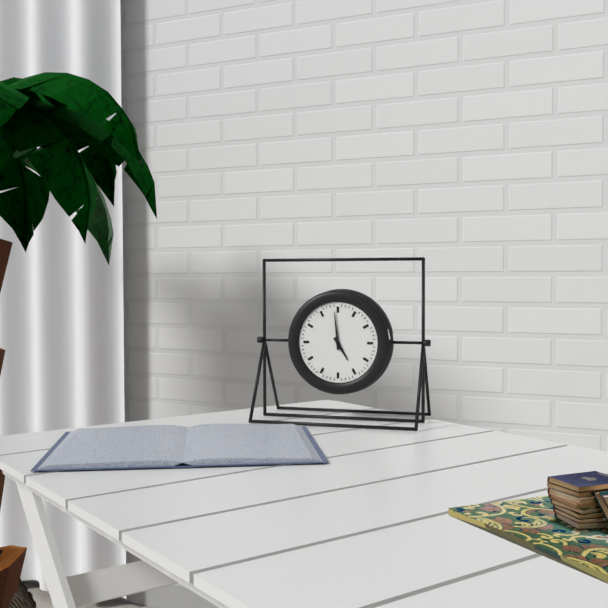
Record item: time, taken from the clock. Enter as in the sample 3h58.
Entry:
4h59
